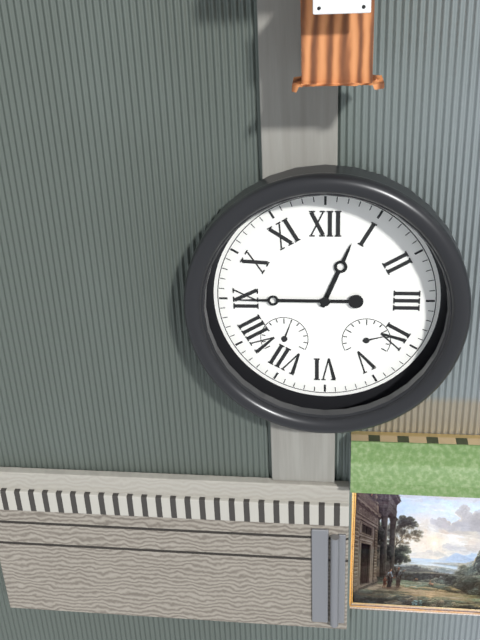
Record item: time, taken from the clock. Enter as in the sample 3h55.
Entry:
12h45
